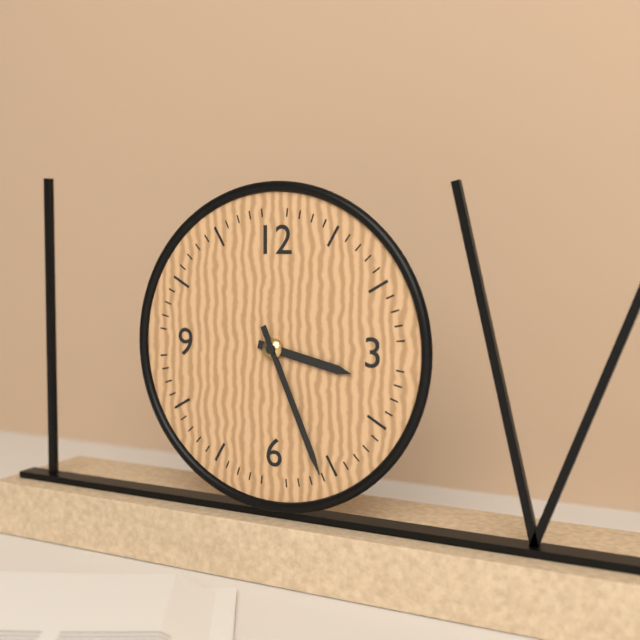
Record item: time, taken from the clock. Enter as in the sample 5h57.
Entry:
3h26
